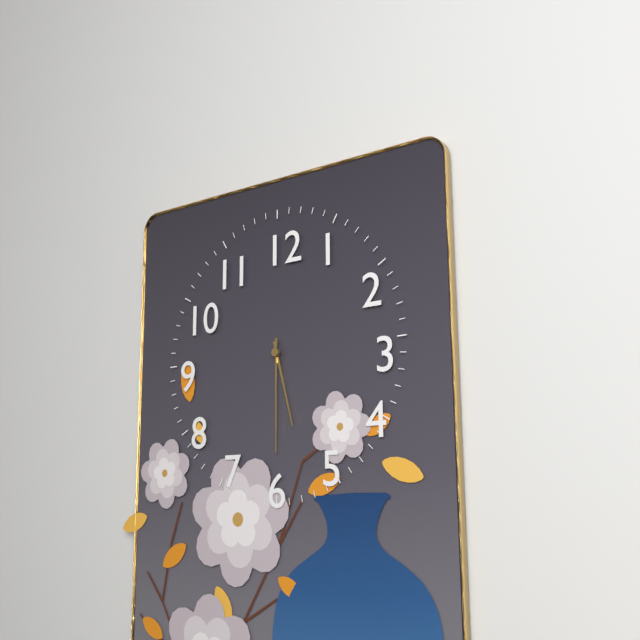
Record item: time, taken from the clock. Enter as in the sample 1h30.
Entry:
5h30
